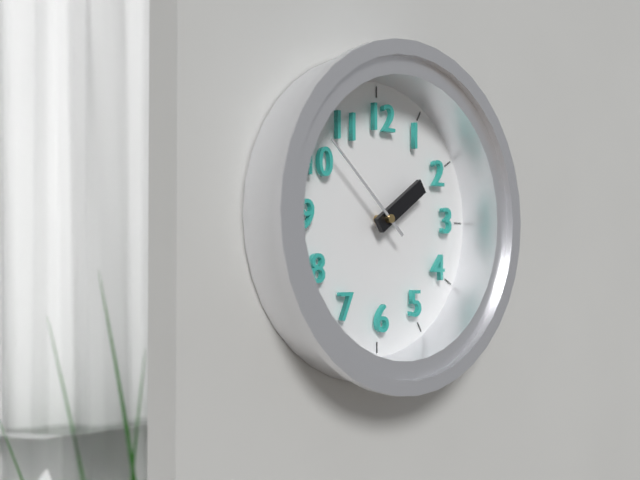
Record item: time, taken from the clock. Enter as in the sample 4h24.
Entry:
1h52
